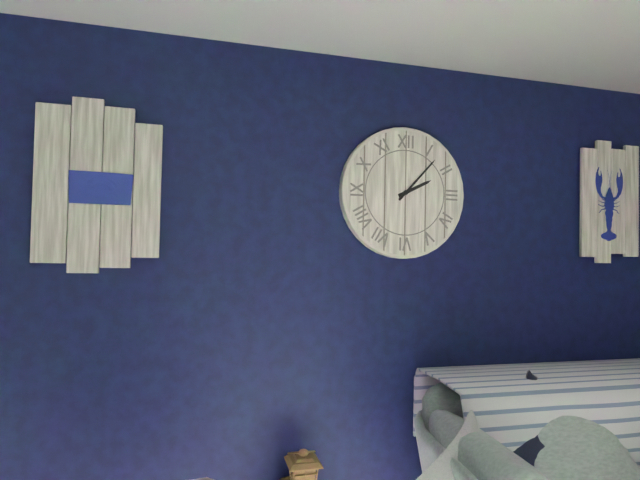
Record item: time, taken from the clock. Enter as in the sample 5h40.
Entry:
2h07
